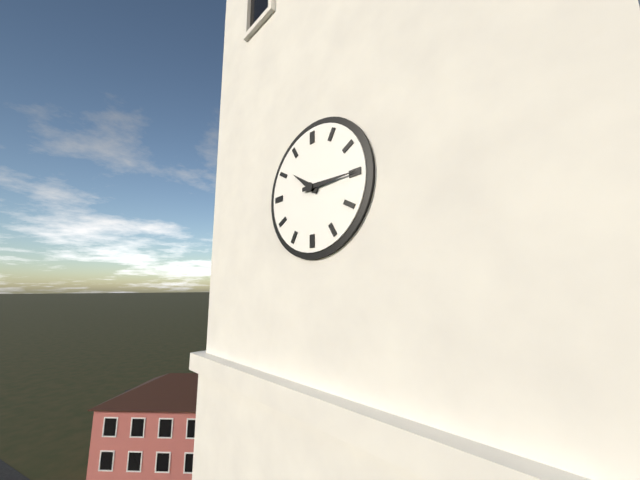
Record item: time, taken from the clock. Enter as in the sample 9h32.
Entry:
10h15
